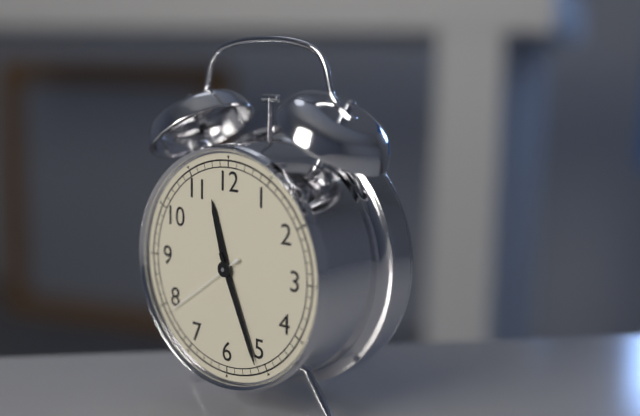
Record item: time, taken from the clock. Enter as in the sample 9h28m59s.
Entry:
11h26m39s
